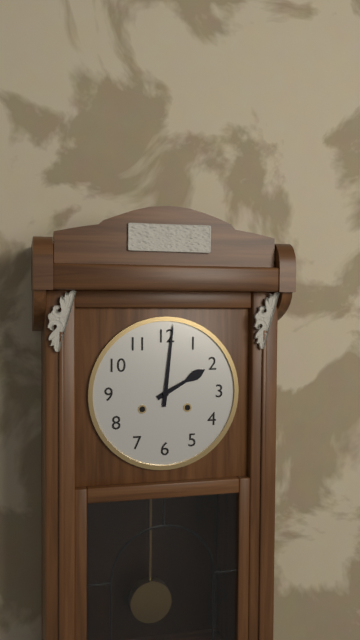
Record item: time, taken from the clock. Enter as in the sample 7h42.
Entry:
2h01
